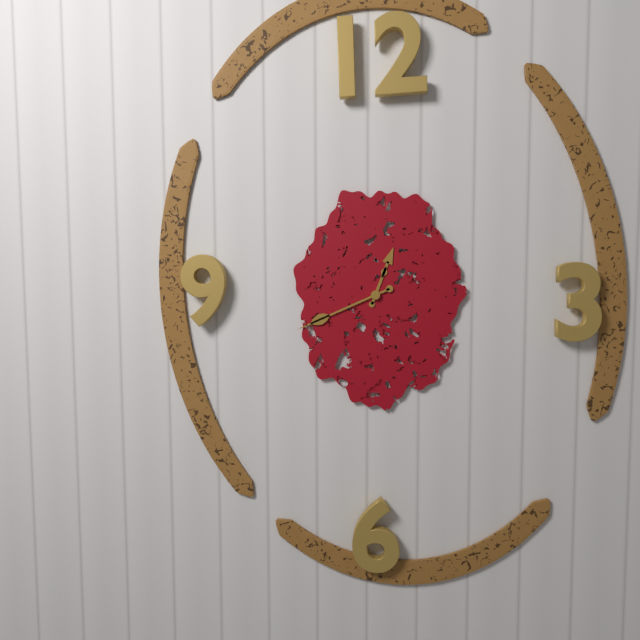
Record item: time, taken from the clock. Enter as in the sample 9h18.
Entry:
12h41
